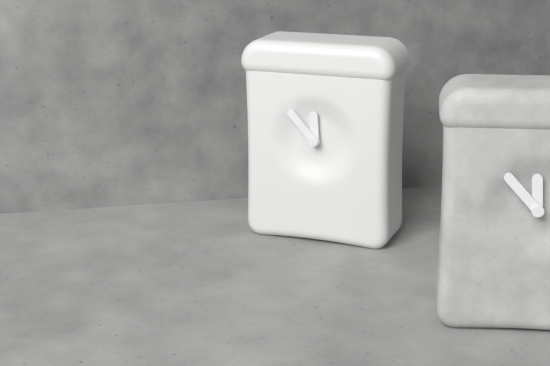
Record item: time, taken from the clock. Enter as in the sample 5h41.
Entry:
11h53
